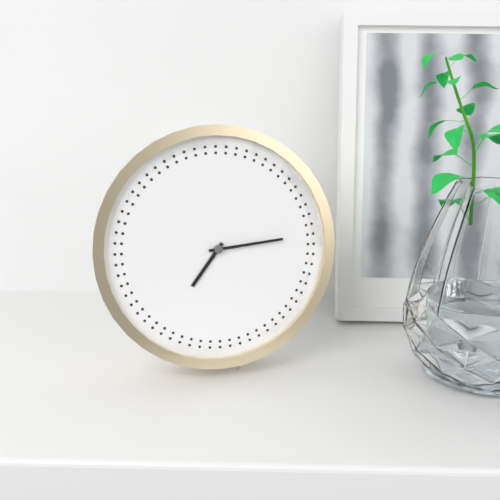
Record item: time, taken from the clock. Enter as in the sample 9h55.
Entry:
7h14
